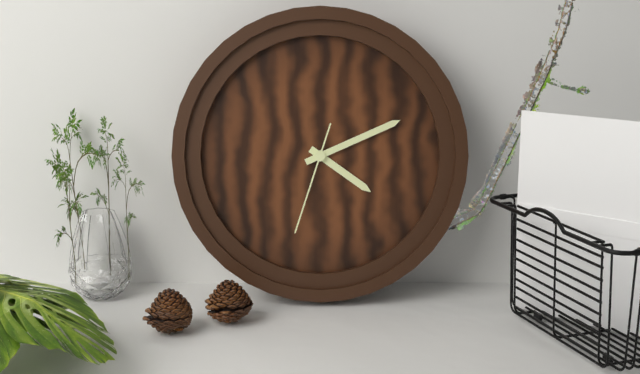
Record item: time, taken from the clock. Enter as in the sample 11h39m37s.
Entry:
4h11m33s
